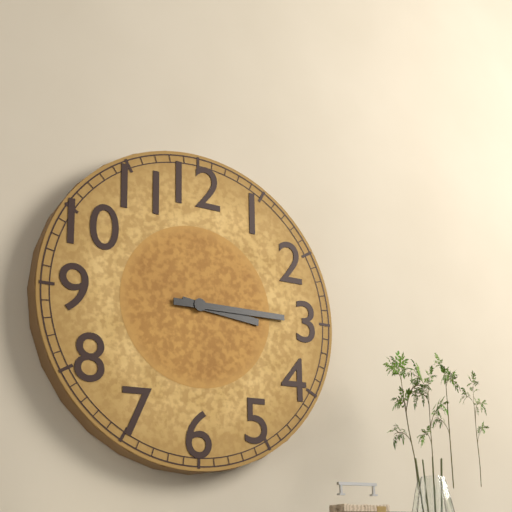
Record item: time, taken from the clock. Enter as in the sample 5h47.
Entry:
3h15
